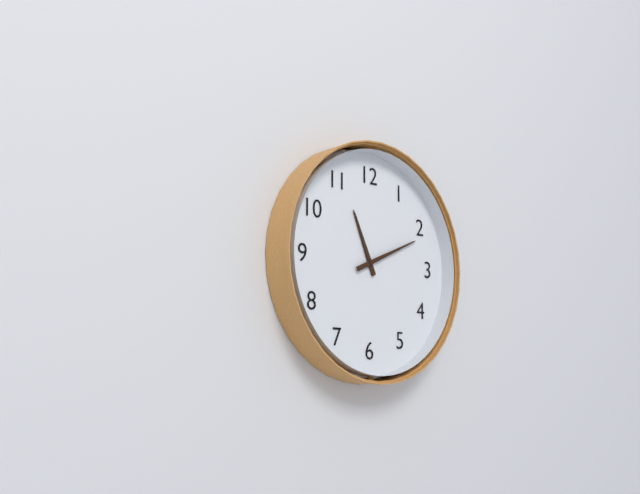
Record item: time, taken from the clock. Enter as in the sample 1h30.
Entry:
11h11
